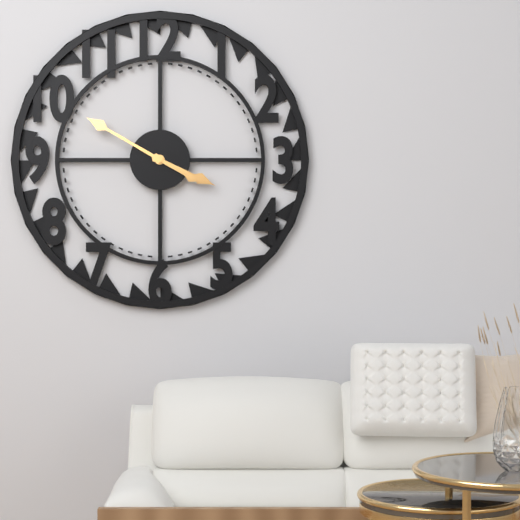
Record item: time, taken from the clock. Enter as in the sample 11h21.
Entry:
3h50
